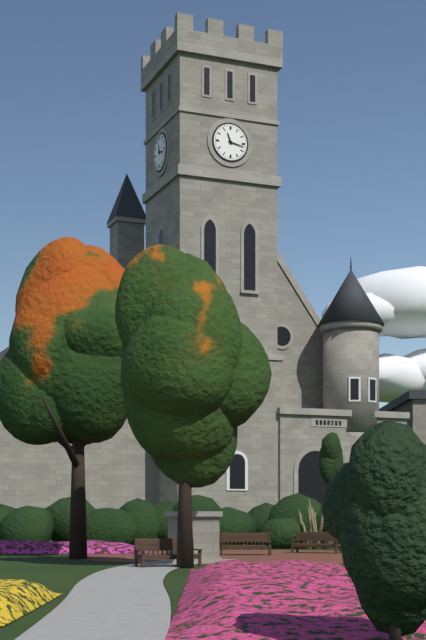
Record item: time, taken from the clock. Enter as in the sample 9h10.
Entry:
11h17
